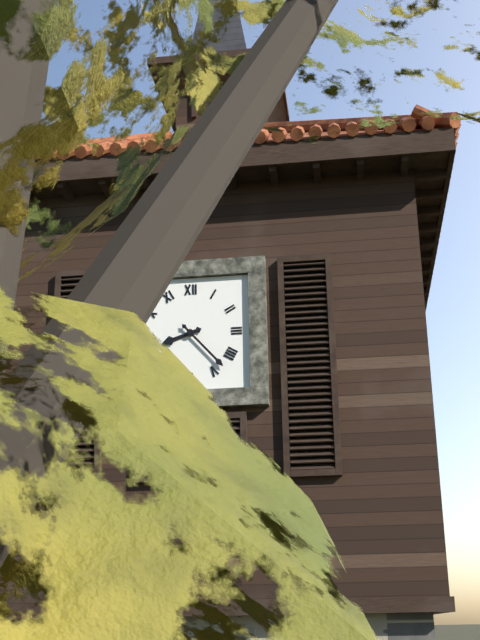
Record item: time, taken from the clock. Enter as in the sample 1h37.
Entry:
8h23
